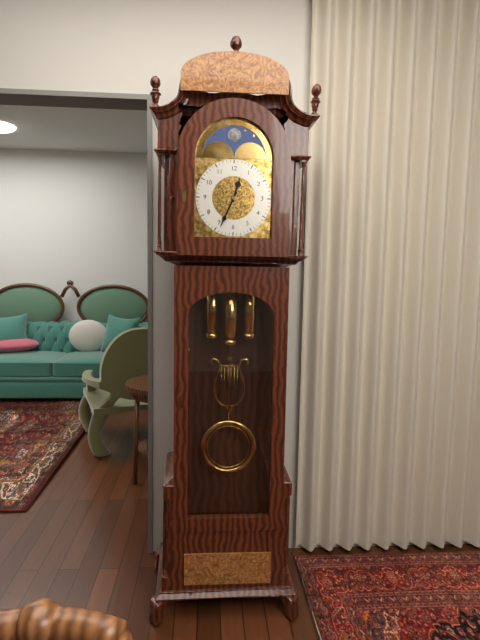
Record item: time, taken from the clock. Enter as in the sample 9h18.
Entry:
12h34
